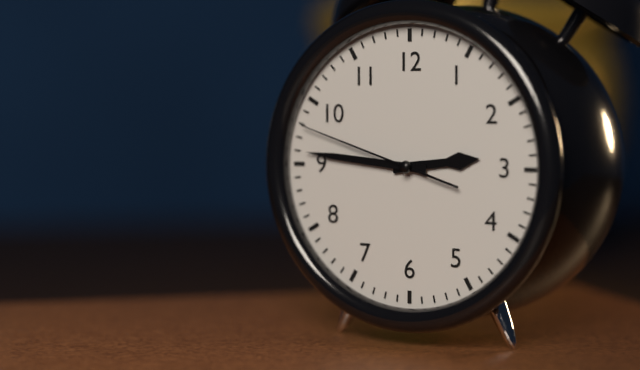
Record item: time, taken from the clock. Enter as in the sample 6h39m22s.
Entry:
2h46m48s
